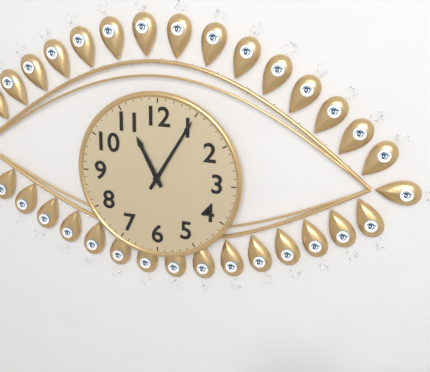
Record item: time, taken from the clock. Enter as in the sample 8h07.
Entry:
11h05
